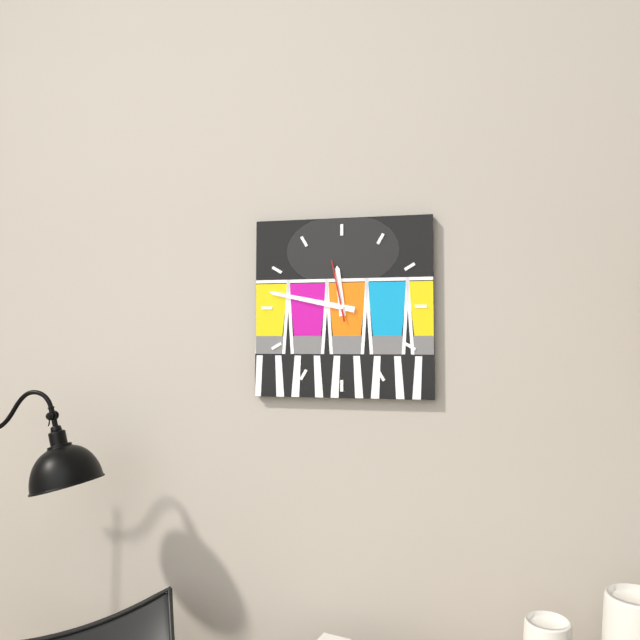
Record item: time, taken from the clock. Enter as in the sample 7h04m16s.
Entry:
11h47m58s
